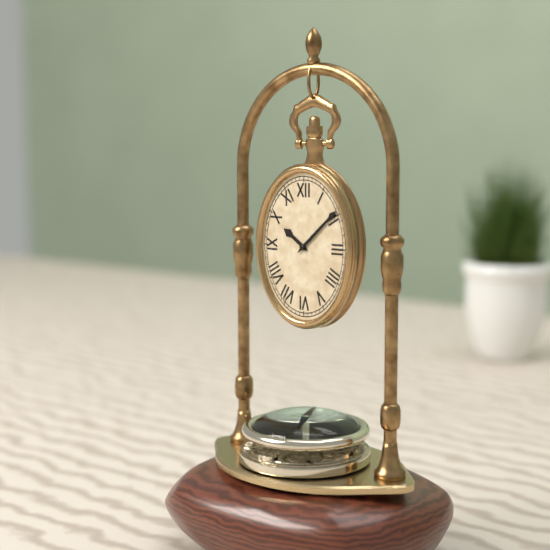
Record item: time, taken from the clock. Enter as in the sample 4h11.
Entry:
10h08
